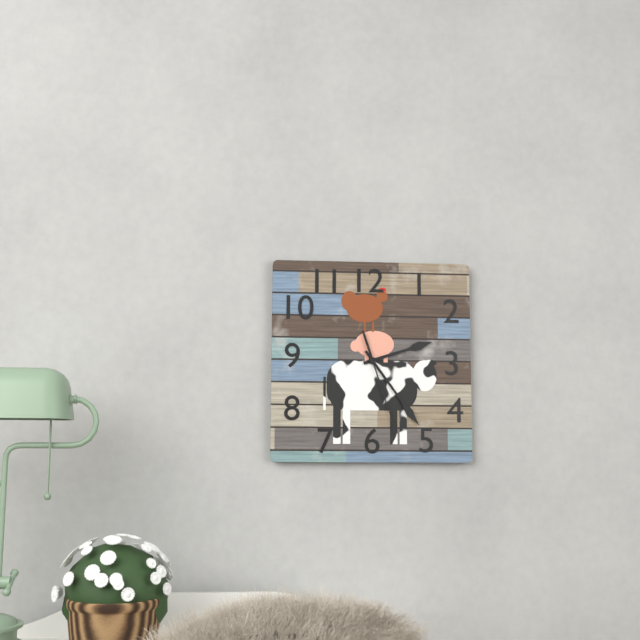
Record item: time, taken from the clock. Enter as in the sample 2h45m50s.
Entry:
2h24m27s
